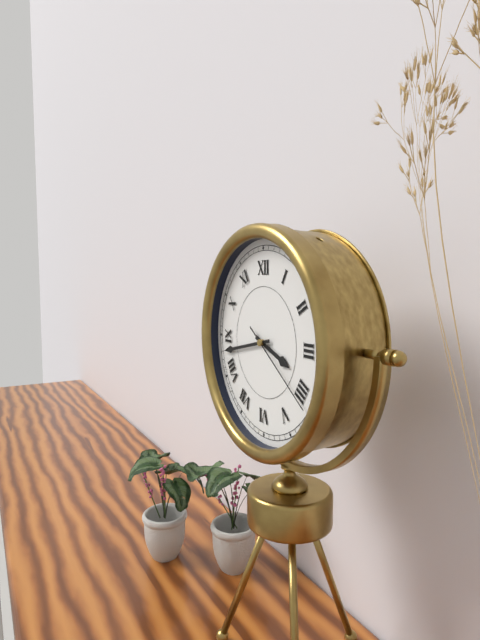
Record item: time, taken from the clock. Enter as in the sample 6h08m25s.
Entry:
3h43m21s
